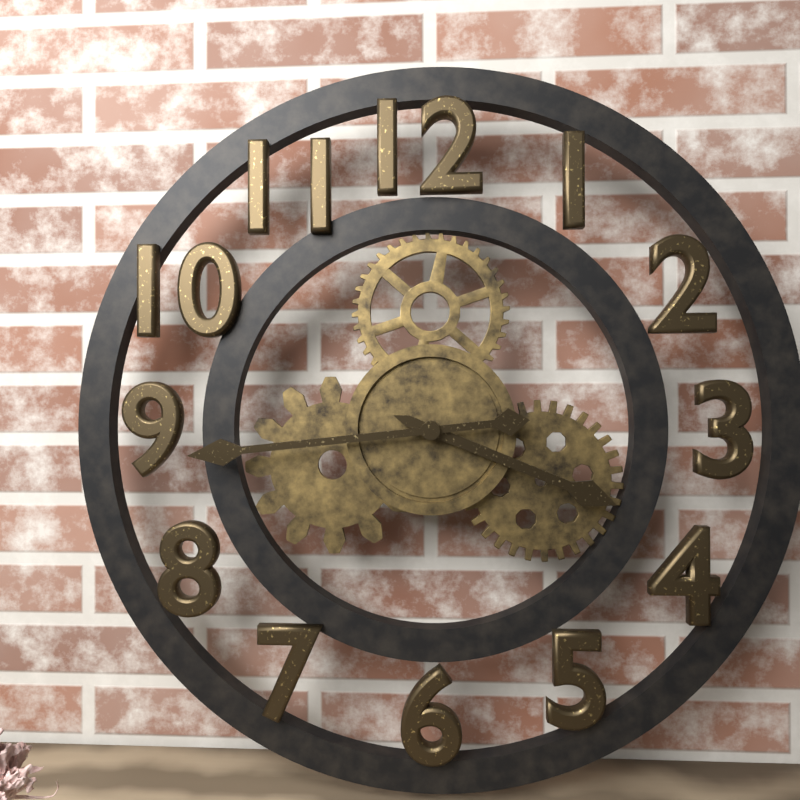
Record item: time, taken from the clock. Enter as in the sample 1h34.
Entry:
3h44
